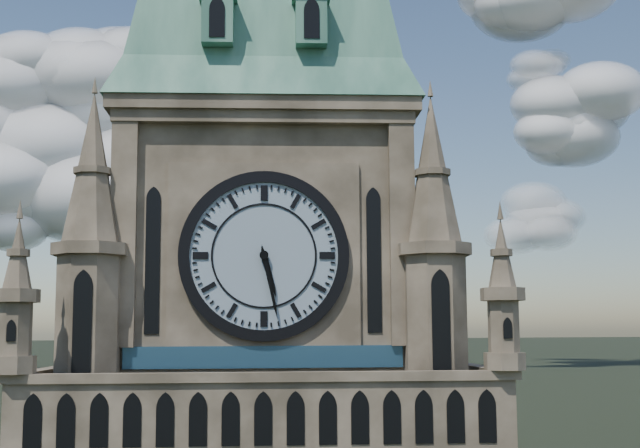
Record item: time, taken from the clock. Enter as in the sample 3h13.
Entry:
5h28
